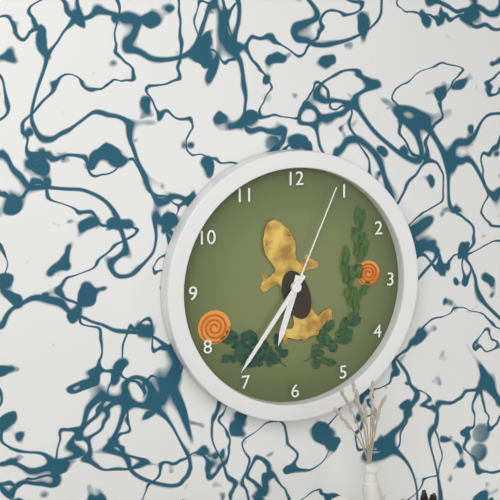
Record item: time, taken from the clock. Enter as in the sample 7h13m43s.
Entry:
6h36m04s
